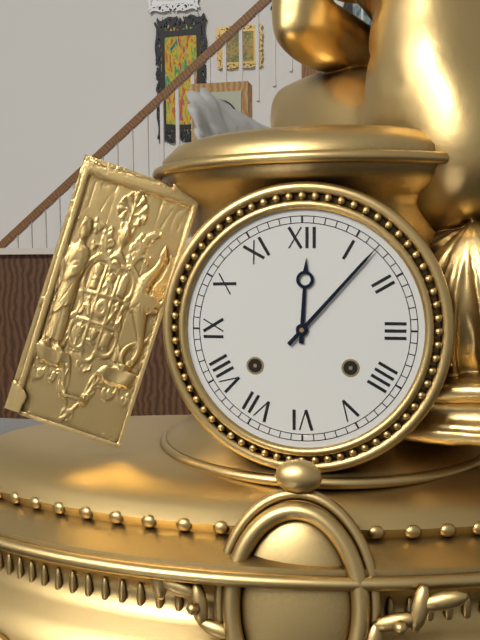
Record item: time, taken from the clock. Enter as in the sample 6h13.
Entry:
12h07
